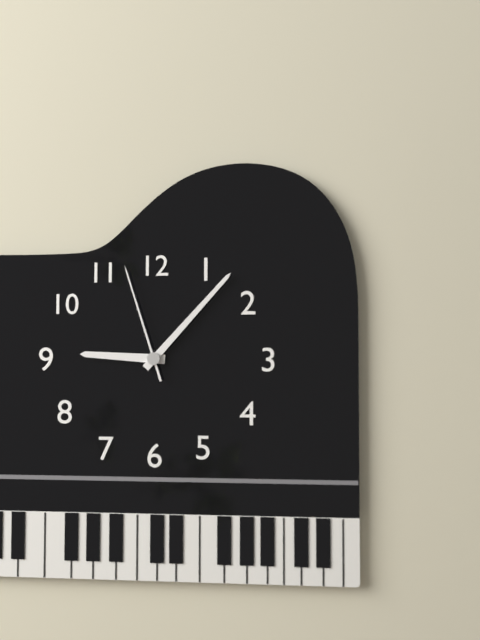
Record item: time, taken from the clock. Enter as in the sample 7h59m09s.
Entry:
9h07m57s
